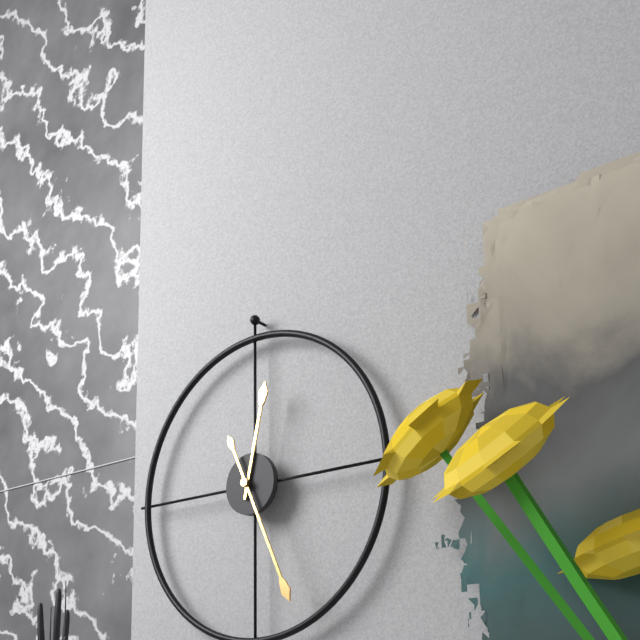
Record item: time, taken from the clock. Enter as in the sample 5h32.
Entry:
12h26
